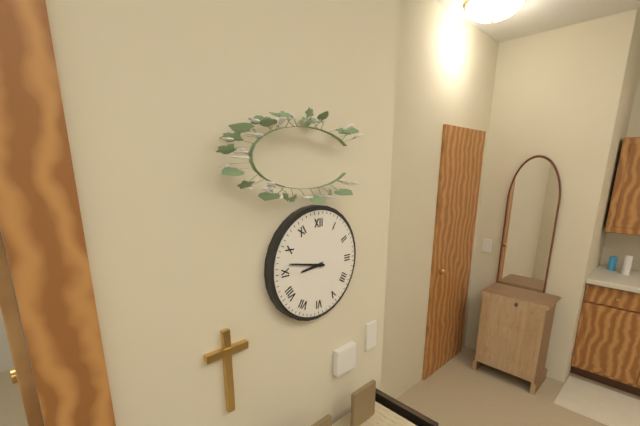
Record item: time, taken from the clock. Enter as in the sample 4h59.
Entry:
8h47
